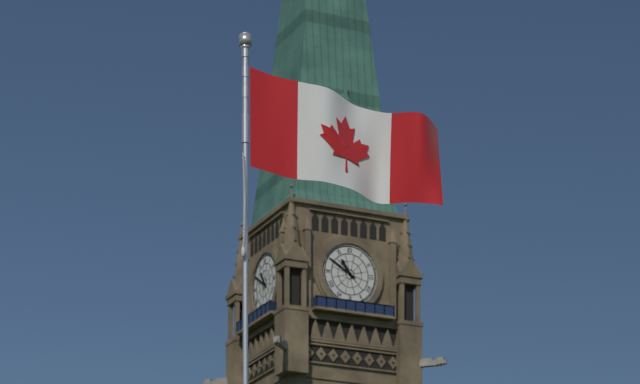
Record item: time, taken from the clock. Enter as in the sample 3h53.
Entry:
10h50
